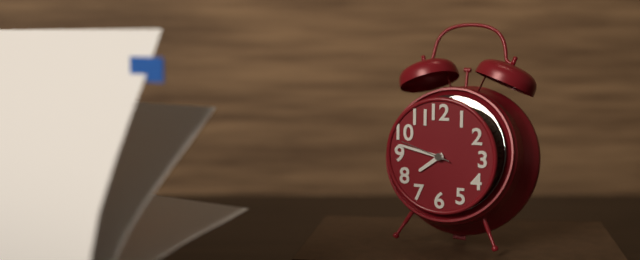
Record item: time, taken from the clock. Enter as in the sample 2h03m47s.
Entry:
7h47m48s
